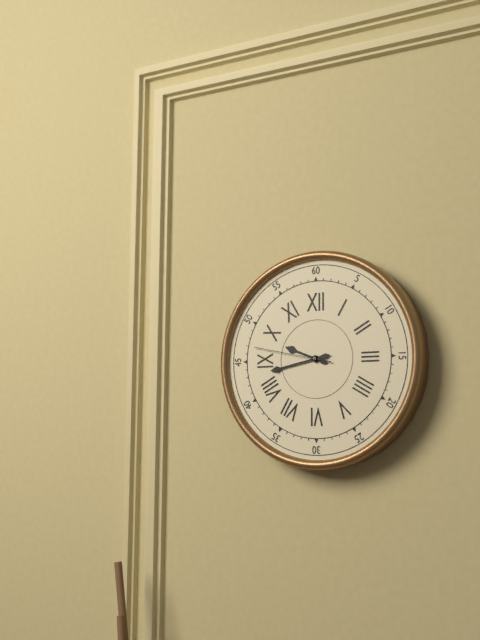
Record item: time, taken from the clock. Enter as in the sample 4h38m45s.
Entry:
9h43m47s
